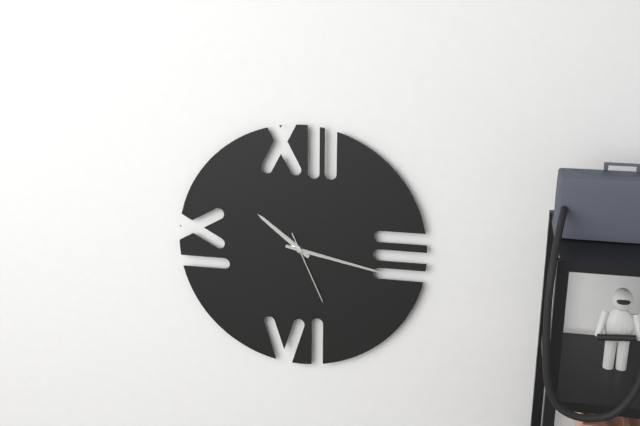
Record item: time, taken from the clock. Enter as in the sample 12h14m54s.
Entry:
10h17m26s
